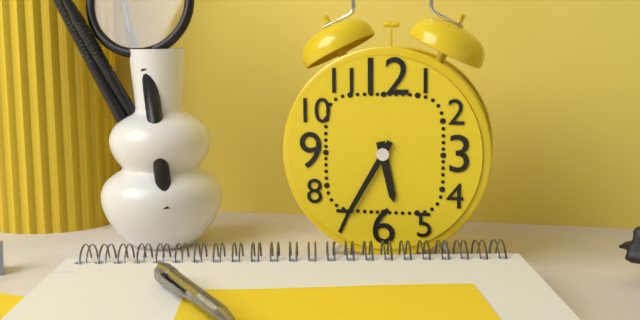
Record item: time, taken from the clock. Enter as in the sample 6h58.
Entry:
5h35
